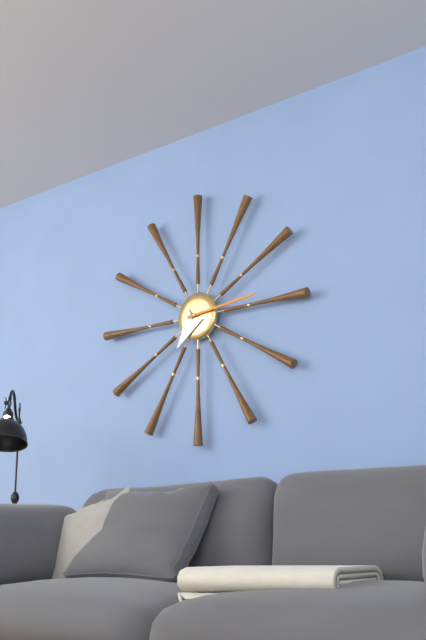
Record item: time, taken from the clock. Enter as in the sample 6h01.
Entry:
7h14
